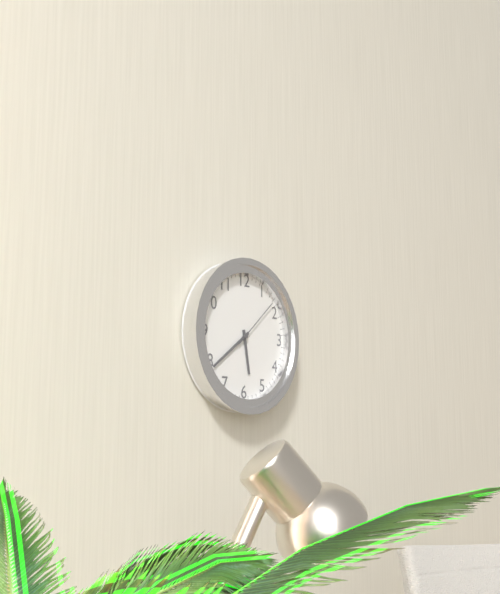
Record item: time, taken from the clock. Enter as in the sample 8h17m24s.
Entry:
5h39m08s
